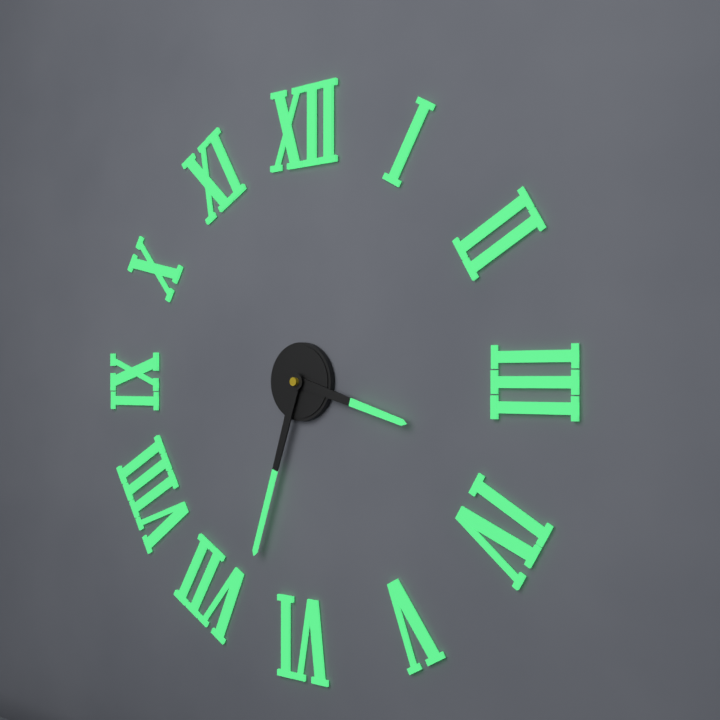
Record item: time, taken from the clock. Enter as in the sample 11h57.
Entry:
3h33
